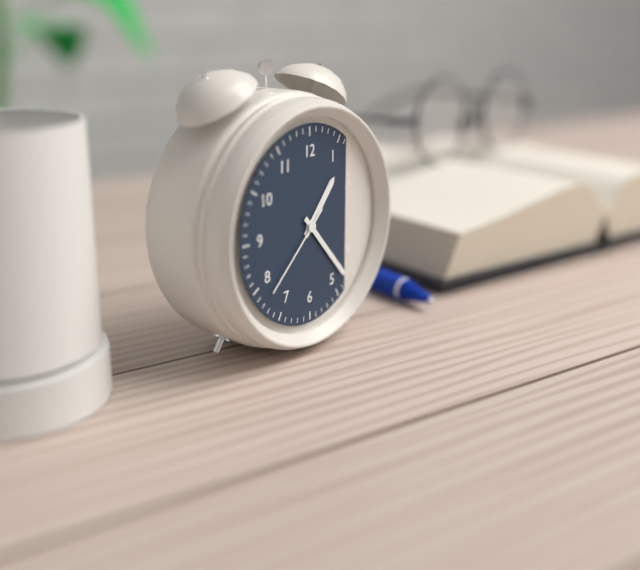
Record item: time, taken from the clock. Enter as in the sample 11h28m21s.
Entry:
1h23m38s
